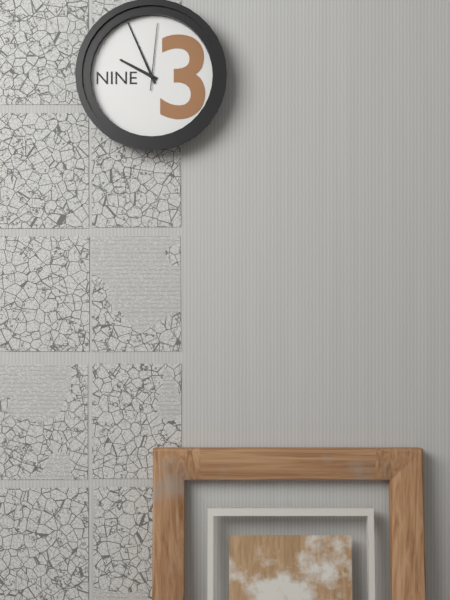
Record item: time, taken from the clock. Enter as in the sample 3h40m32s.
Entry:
9h56m01s
